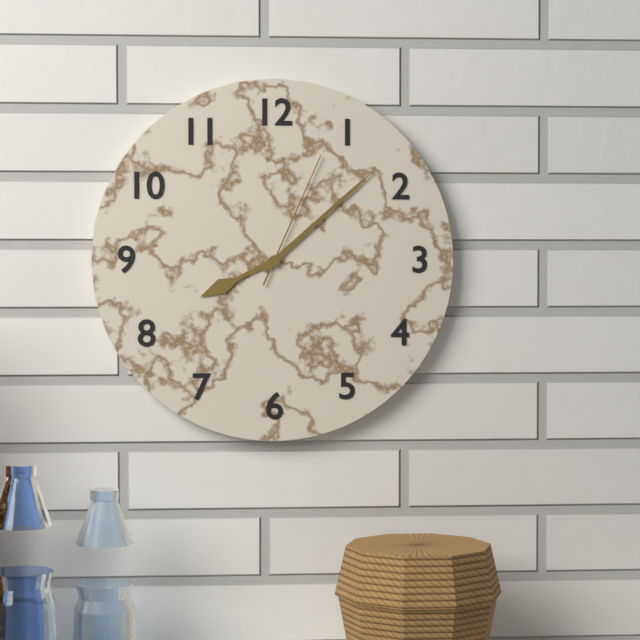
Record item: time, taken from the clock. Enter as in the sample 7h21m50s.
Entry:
8h08m04s
